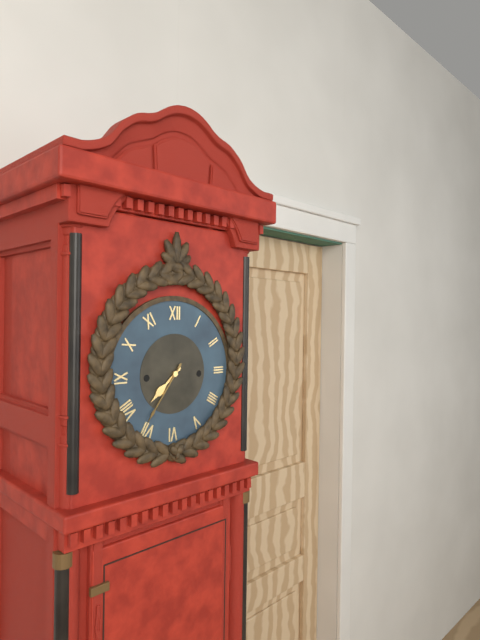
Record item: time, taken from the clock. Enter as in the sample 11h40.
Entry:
7h36
